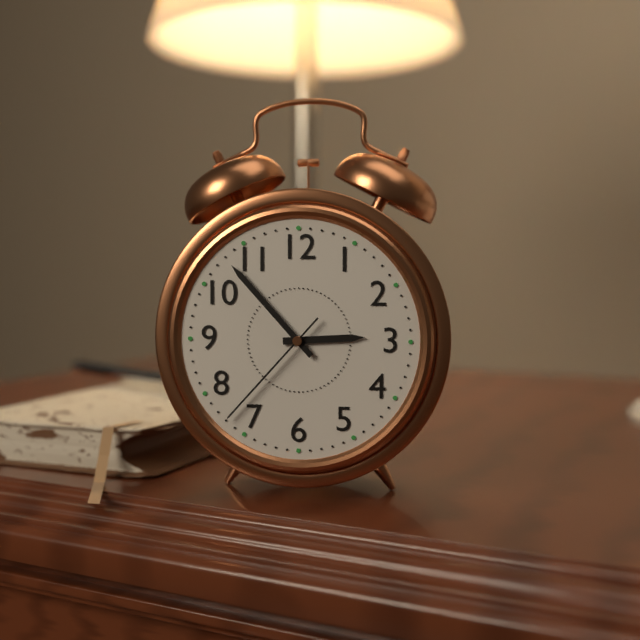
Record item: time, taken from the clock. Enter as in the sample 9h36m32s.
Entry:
2h53m37s
